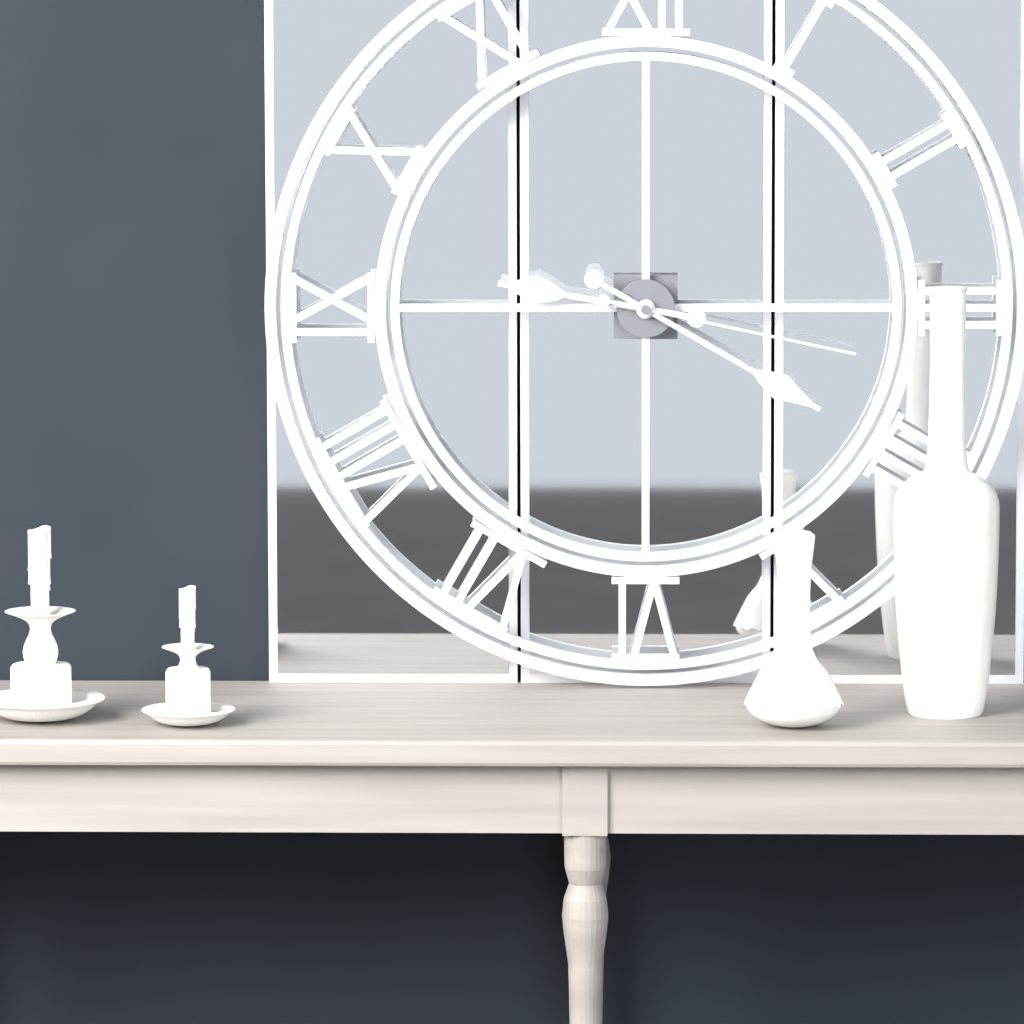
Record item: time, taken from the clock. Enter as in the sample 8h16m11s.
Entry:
9h20m17s
